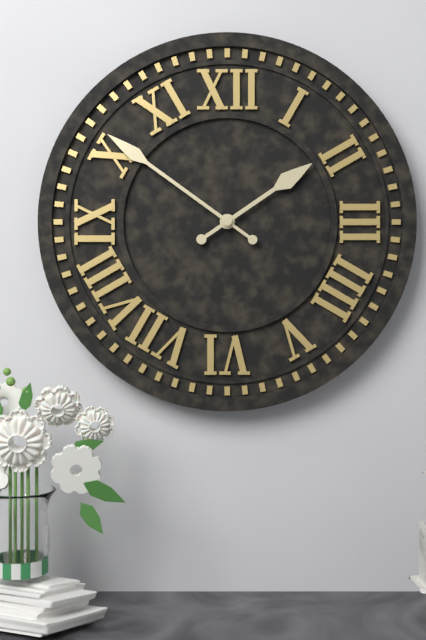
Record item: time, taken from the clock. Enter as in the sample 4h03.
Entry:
1h51
